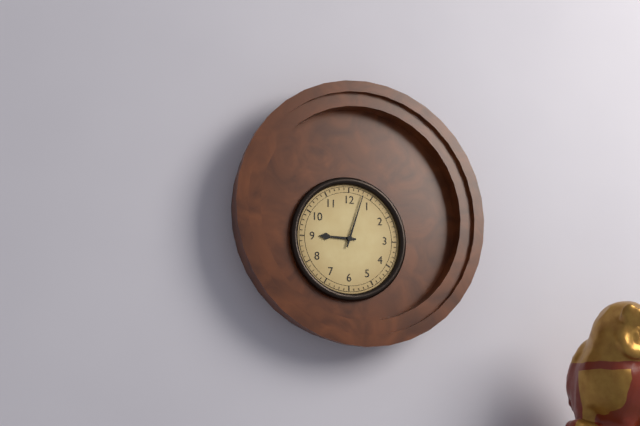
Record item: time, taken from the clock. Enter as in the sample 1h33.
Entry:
9h03
